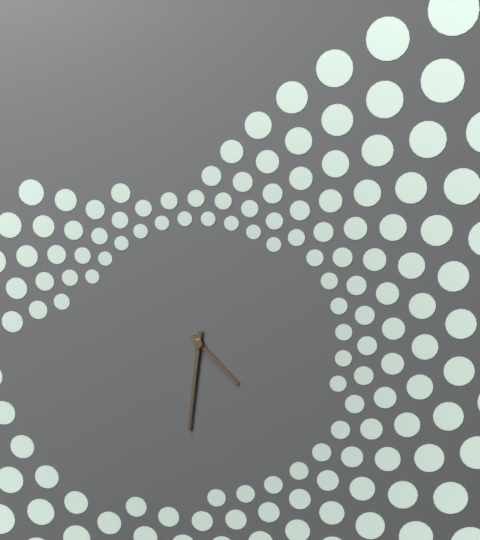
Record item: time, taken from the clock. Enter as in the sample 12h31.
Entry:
4h31
